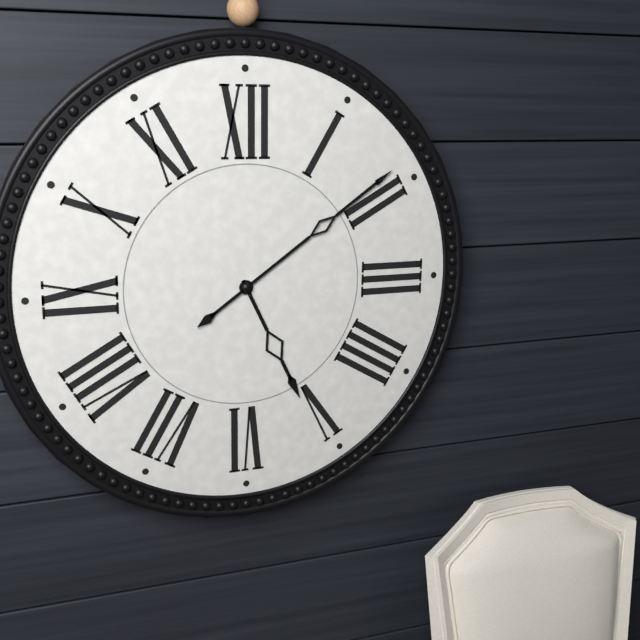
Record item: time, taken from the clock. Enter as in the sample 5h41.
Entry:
5h09
